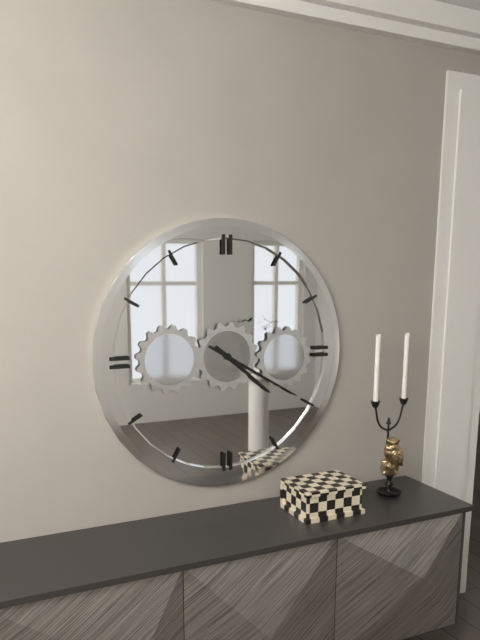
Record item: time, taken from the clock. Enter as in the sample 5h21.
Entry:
4h20
